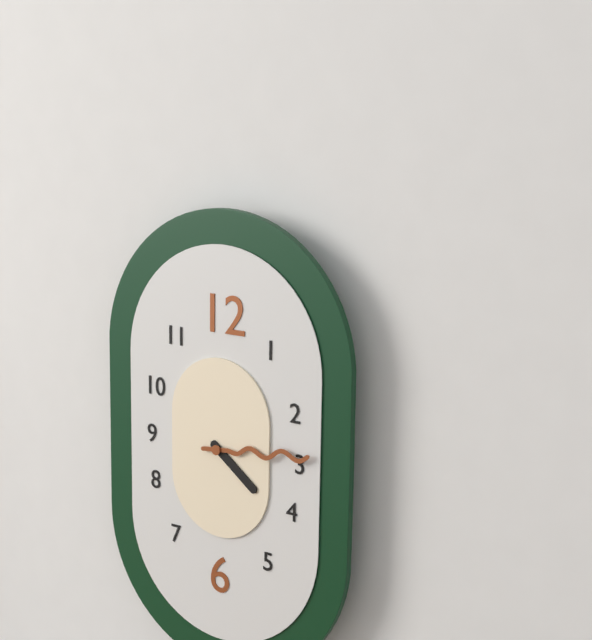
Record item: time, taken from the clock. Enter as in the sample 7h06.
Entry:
4h14
